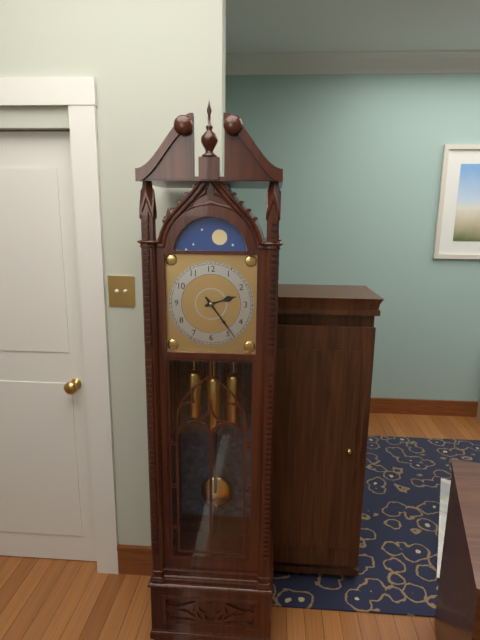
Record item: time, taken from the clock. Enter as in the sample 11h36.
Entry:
2h24
